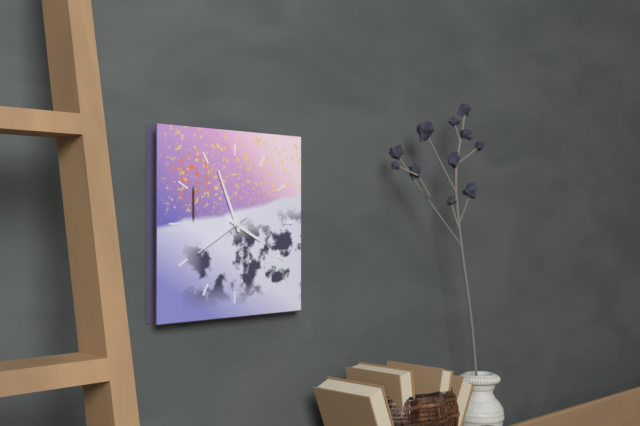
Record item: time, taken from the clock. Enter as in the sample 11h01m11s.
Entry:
3h56m40s
